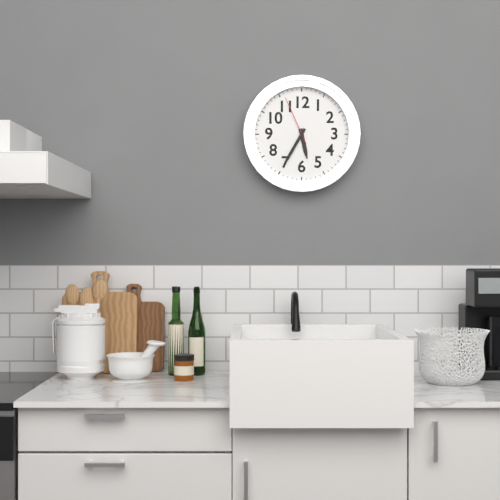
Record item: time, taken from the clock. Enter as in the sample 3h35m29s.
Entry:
5h35m56s
